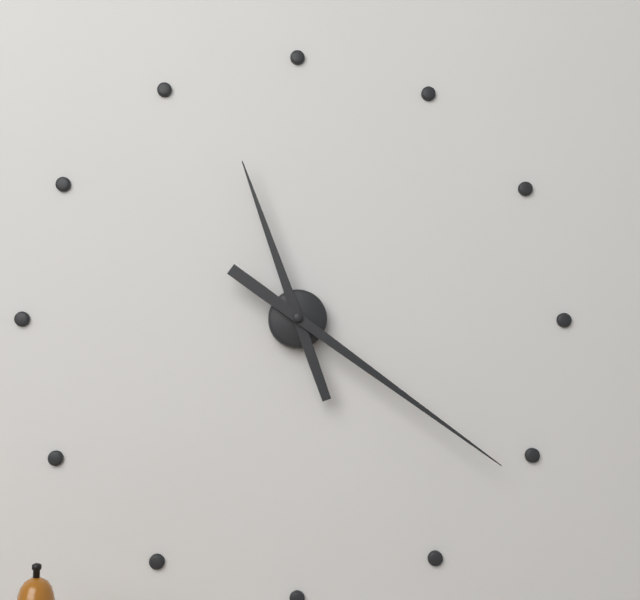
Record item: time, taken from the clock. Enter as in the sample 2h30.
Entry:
11h21
